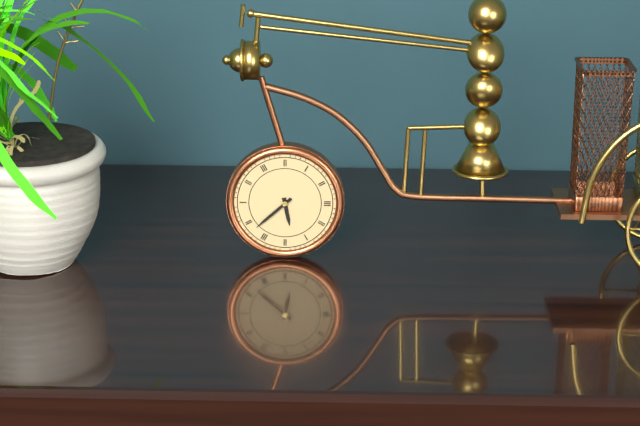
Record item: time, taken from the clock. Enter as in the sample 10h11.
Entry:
5h38
